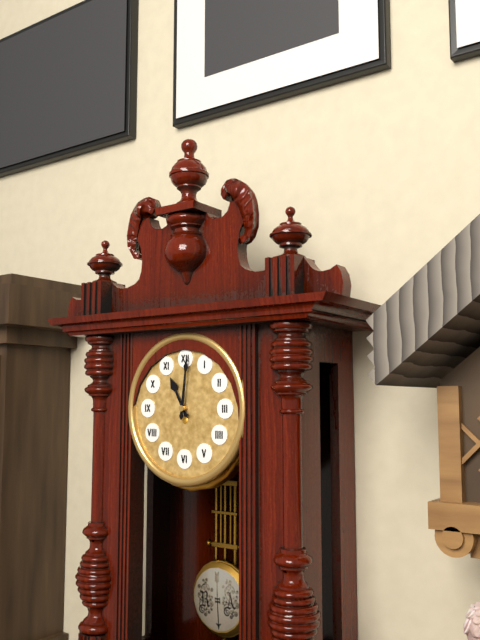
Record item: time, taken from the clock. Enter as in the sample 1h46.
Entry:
11h01
